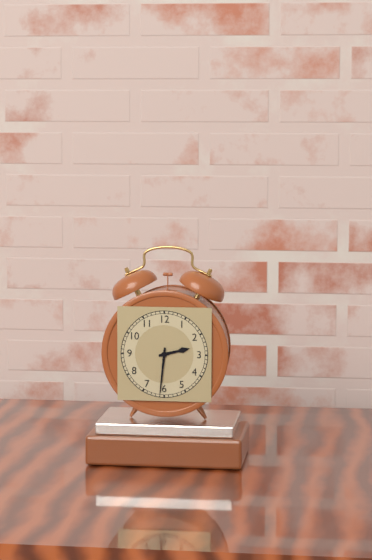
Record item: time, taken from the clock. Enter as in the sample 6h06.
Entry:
2h31
